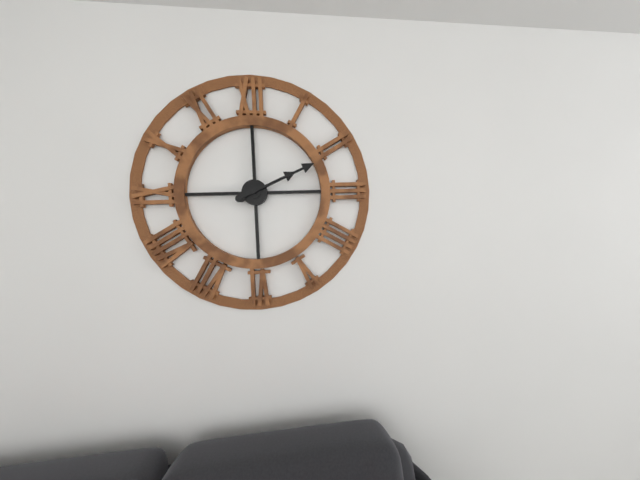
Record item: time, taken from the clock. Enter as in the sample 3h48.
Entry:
2h11
